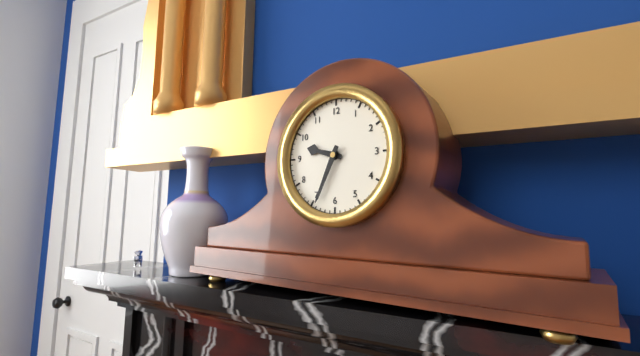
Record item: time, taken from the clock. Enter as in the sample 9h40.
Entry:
9h34
